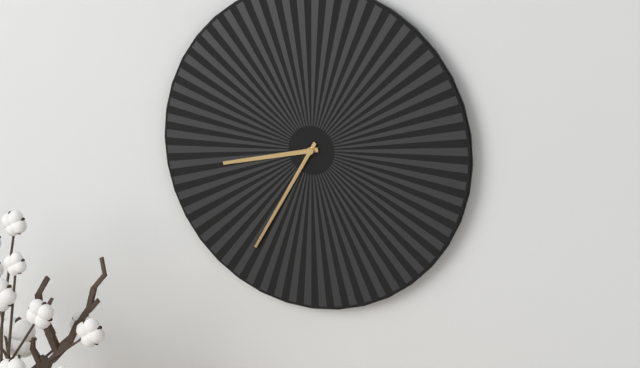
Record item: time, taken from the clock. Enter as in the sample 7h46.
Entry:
8h35
